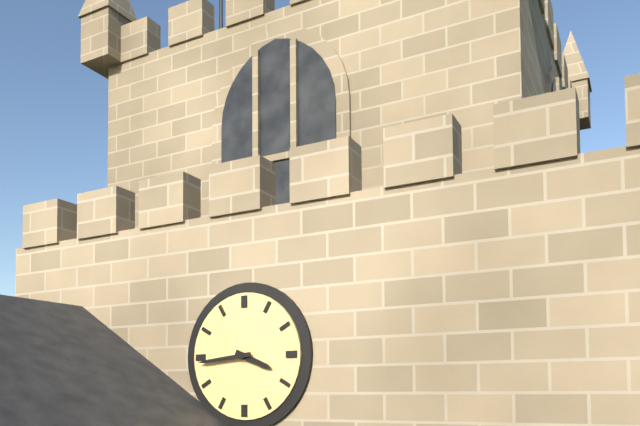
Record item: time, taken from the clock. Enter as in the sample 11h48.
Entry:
3h44
